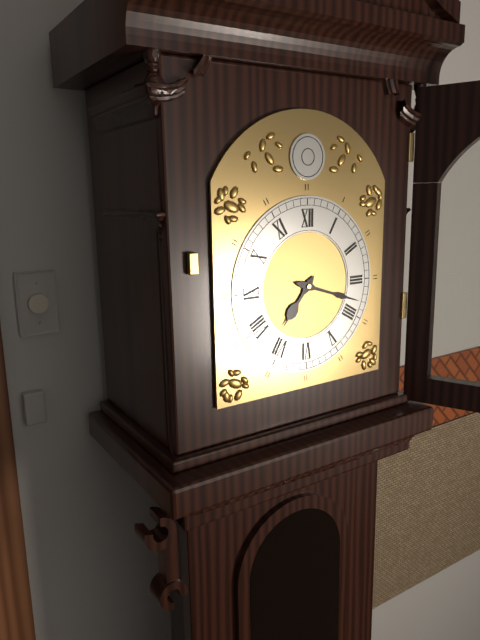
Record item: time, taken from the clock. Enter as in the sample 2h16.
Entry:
7h18
